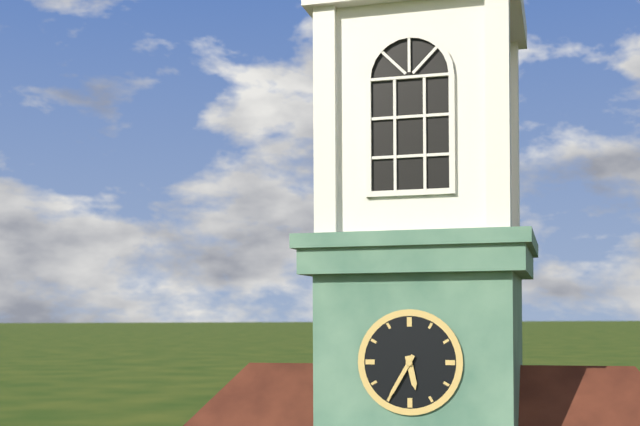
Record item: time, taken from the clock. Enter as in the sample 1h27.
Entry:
5h35
